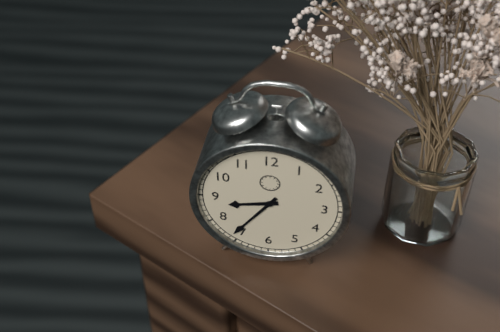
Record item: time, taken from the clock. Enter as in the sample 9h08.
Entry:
8h36
